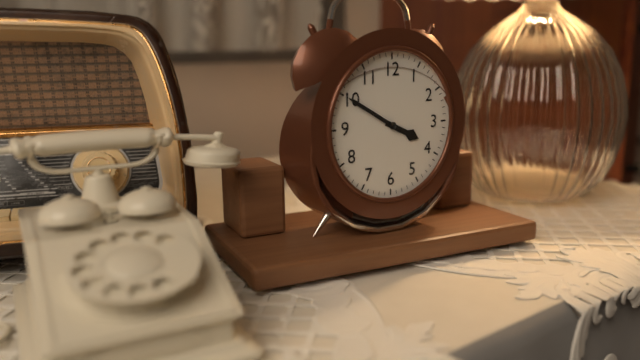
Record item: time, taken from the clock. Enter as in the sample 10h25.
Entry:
3h50
